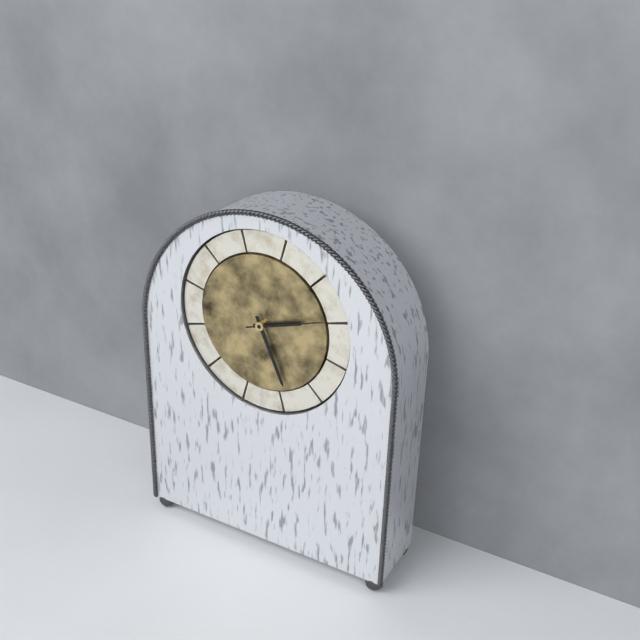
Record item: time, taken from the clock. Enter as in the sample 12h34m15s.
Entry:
2h26m12s
